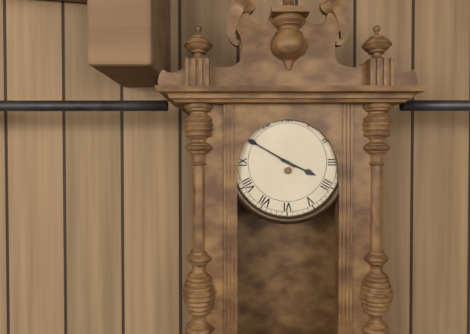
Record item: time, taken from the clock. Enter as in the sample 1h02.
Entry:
3h50
